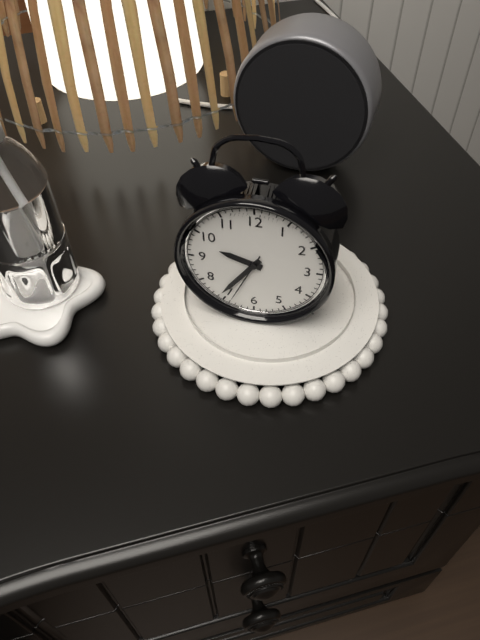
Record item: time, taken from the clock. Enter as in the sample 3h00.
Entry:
9h36
